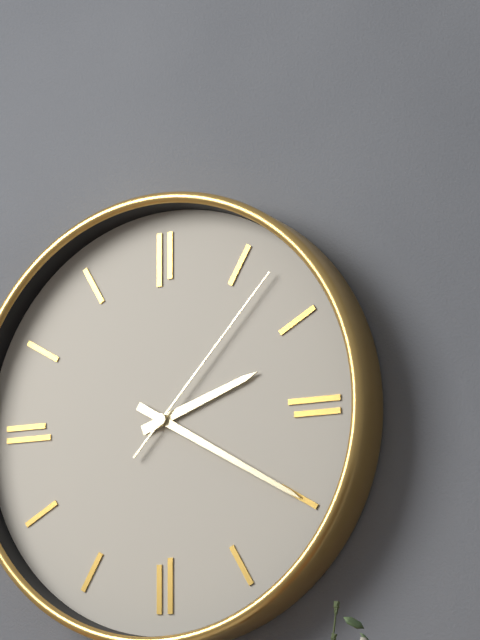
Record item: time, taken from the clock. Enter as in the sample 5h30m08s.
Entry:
2h20m07s
